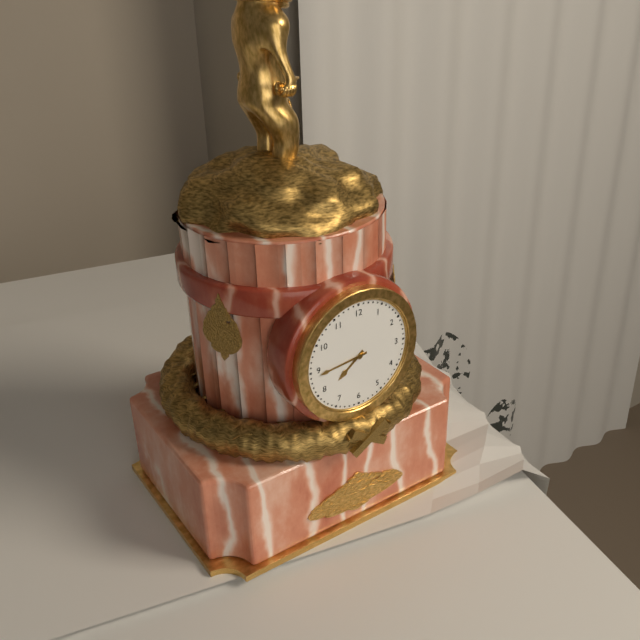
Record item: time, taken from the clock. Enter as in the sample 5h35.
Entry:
7h44
